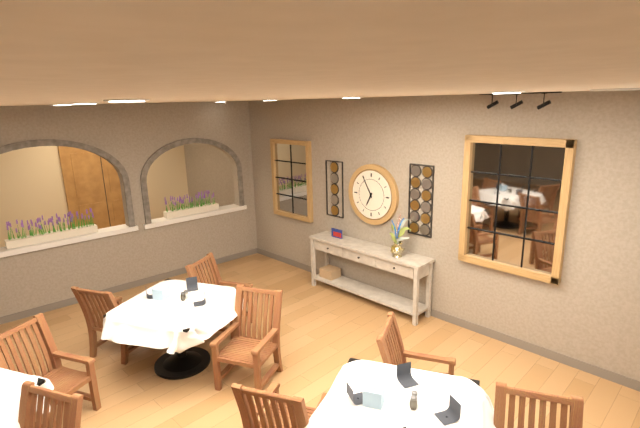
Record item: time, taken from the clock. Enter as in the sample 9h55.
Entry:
6h55
